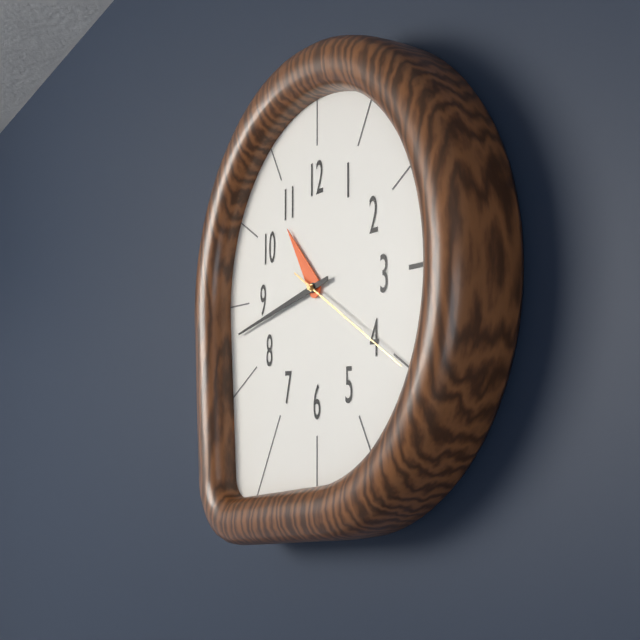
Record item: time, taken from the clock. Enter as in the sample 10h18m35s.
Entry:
10h43m20s
